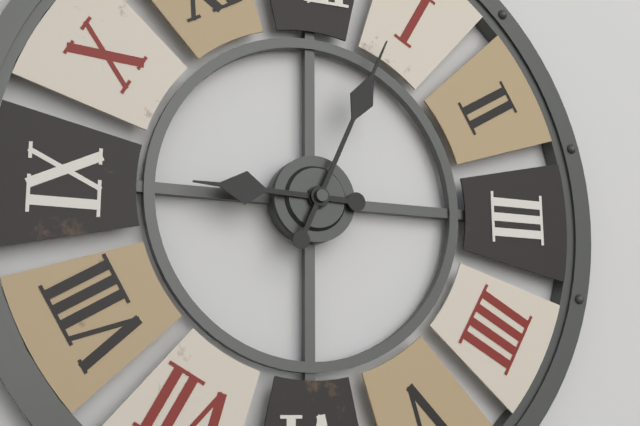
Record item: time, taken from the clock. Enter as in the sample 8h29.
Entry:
9h04
